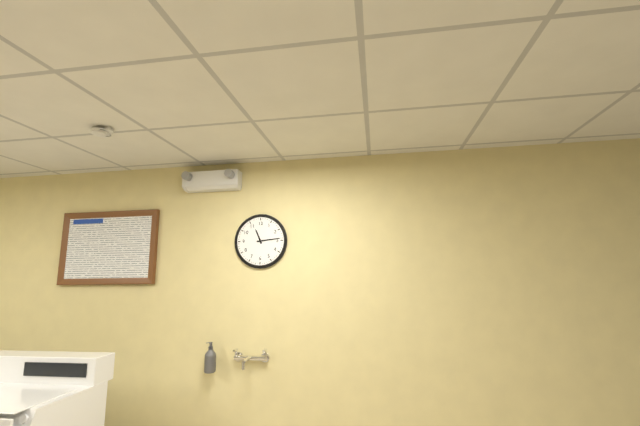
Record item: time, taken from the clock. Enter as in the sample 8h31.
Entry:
11h14
